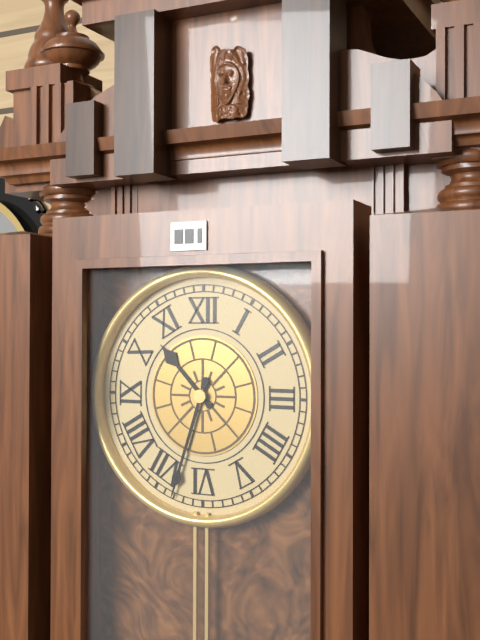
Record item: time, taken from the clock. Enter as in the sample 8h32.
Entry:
10h33
